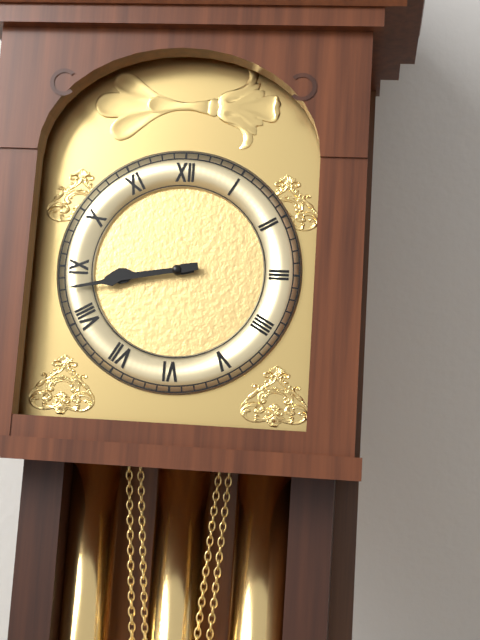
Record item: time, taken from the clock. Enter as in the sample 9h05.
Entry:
8h43
